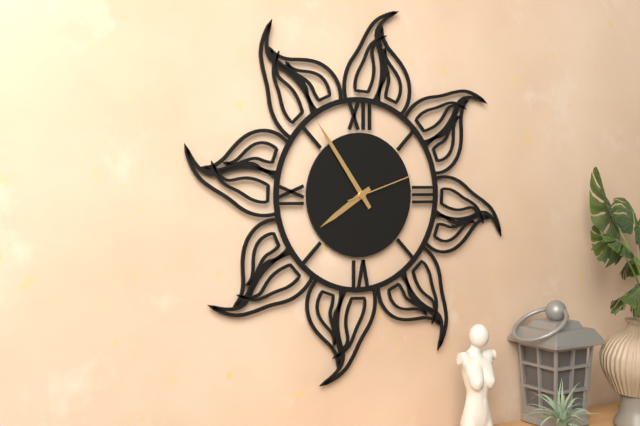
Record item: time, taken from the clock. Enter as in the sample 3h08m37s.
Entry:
7h54m12s
